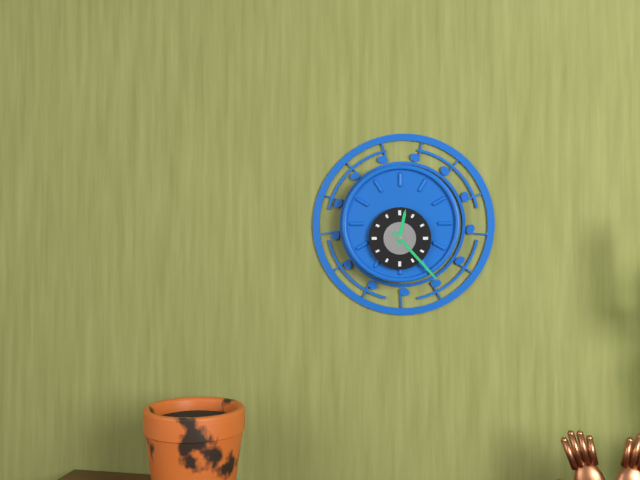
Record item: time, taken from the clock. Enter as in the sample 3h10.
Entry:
12h23
